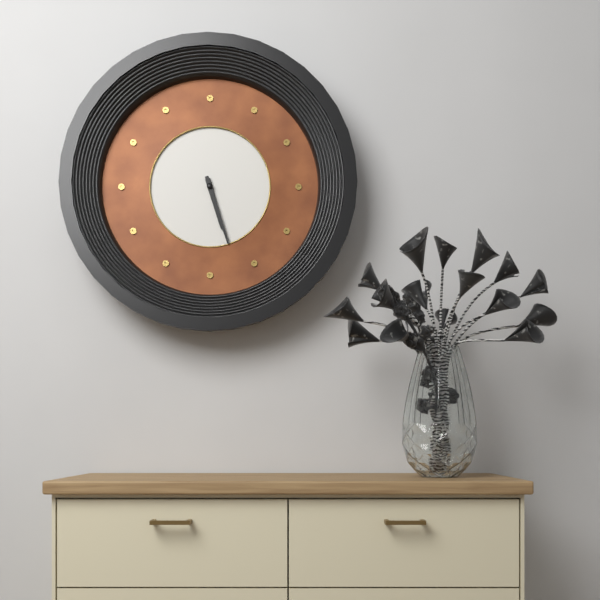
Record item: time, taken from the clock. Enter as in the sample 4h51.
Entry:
5h27
